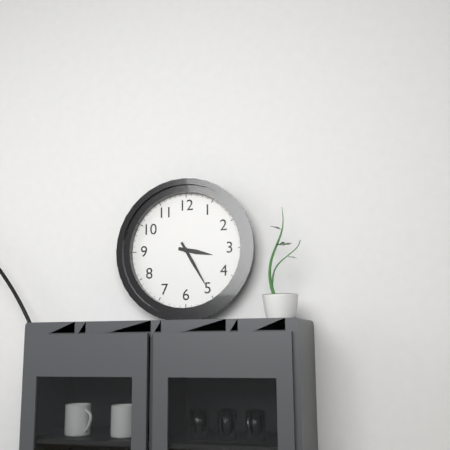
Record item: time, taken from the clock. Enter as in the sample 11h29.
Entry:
3h25
